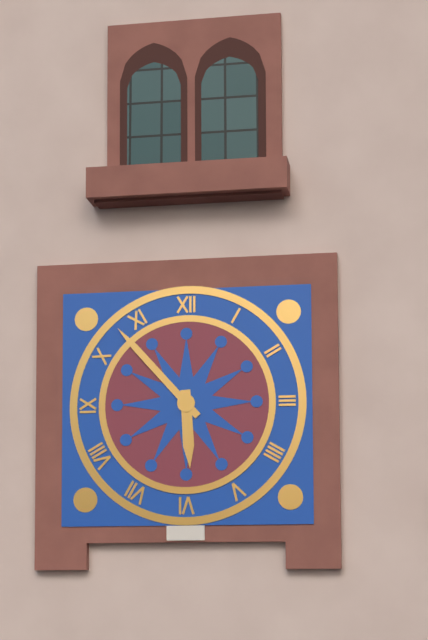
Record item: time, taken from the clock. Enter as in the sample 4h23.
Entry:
5h53
